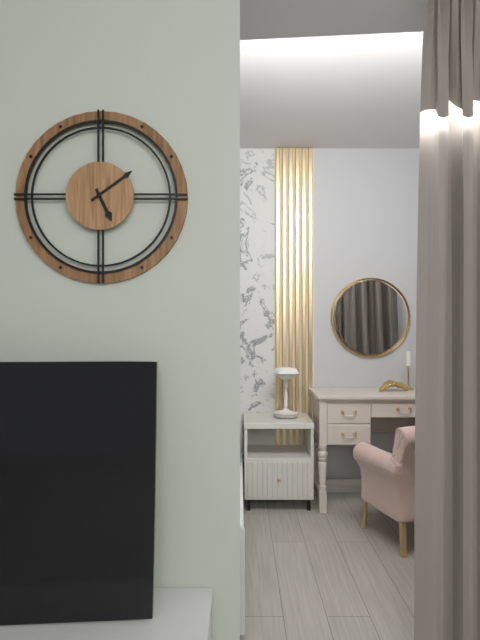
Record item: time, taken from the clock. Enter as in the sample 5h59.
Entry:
5h09
